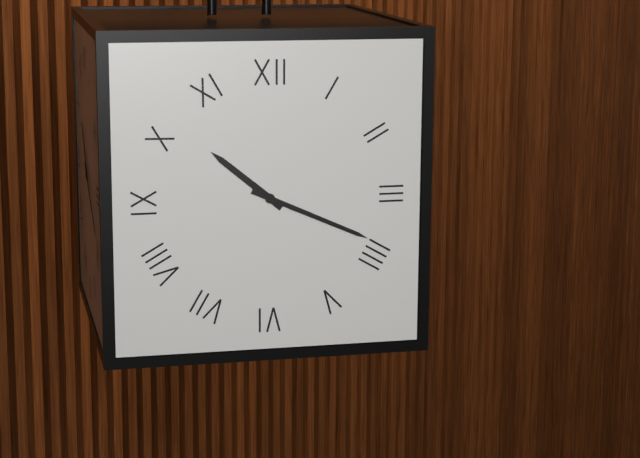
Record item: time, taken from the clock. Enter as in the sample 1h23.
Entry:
10h19
